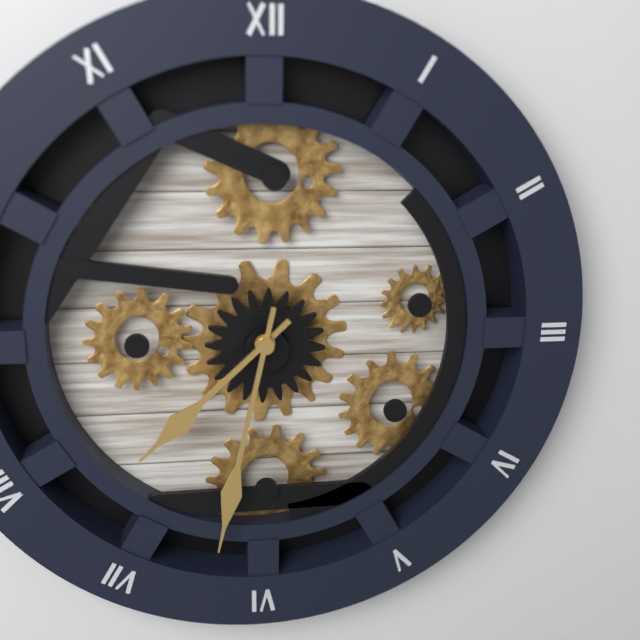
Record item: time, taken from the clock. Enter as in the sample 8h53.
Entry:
7h32
